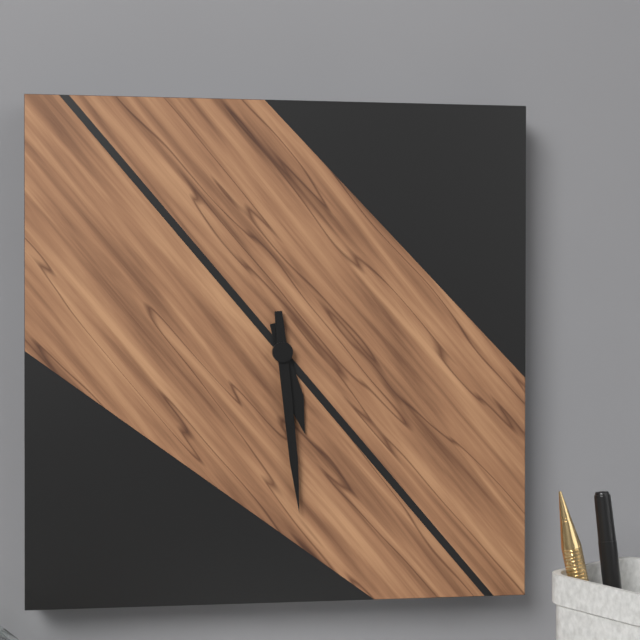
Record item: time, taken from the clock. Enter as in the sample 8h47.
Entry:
5h29
